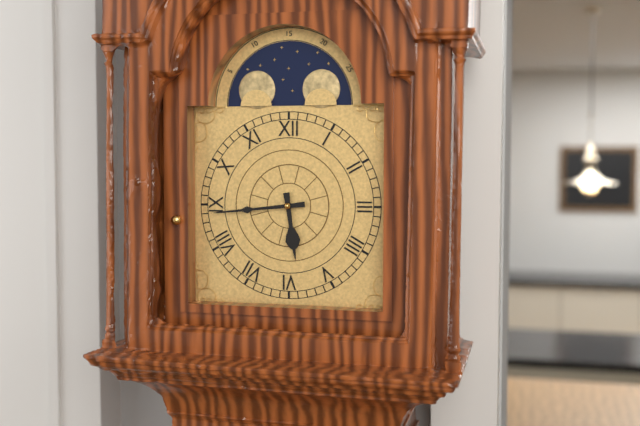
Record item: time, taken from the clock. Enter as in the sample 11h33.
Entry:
5h44
